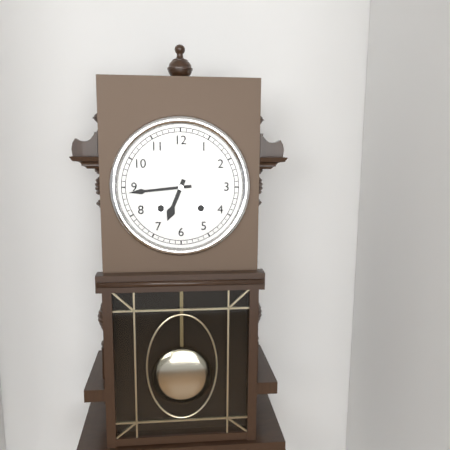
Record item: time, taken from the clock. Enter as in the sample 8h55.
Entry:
6h44
